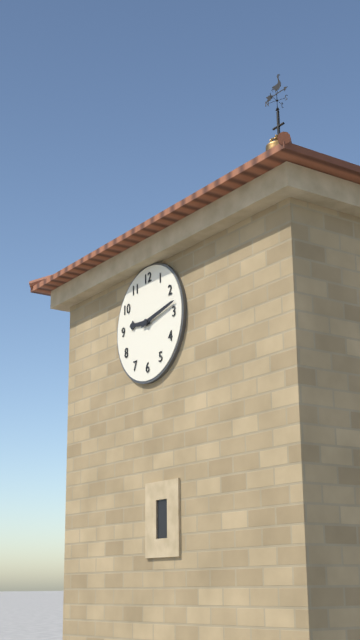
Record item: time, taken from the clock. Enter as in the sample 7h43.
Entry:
9h13
